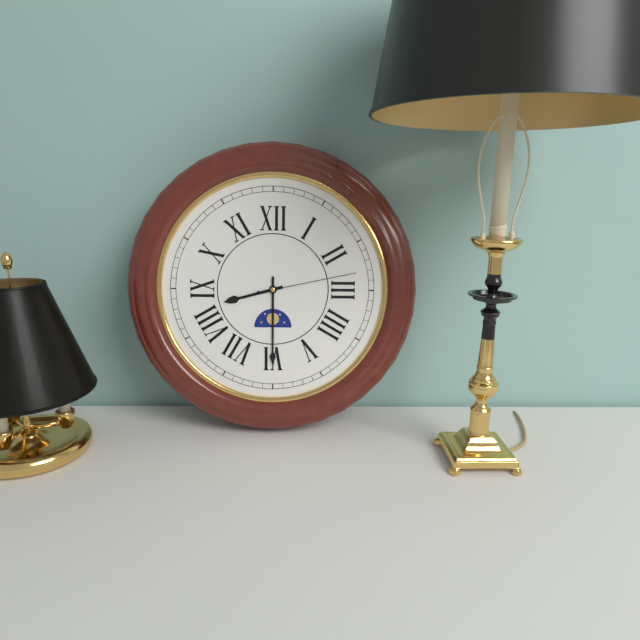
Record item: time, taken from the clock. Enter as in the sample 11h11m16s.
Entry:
8h30m13s
